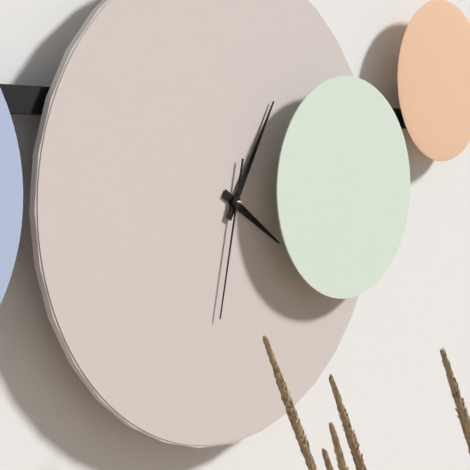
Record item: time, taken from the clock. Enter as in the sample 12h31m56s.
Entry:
4h05m32s
